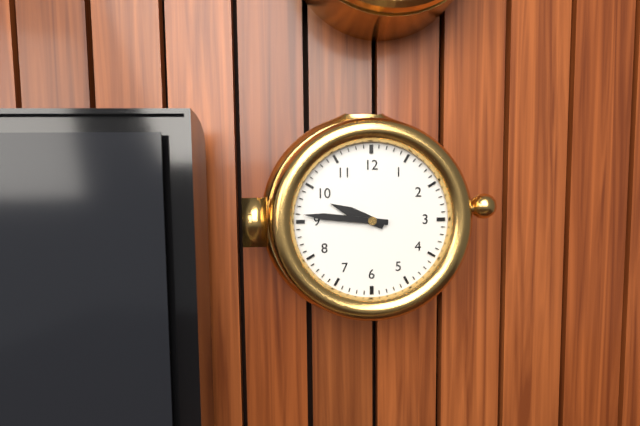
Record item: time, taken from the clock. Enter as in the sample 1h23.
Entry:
9h46
